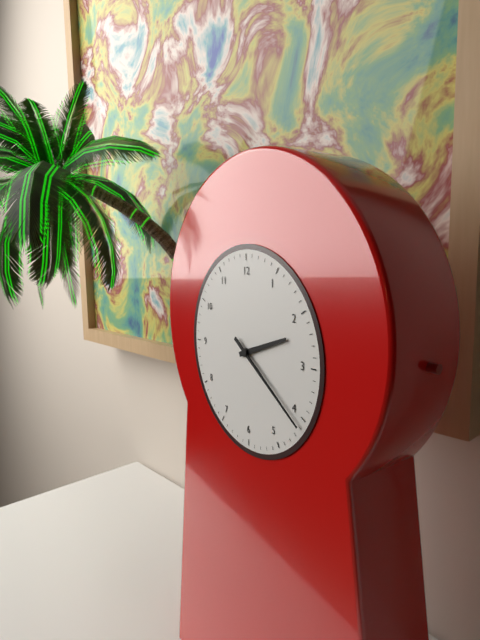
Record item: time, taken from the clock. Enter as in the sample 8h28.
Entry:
2h21
